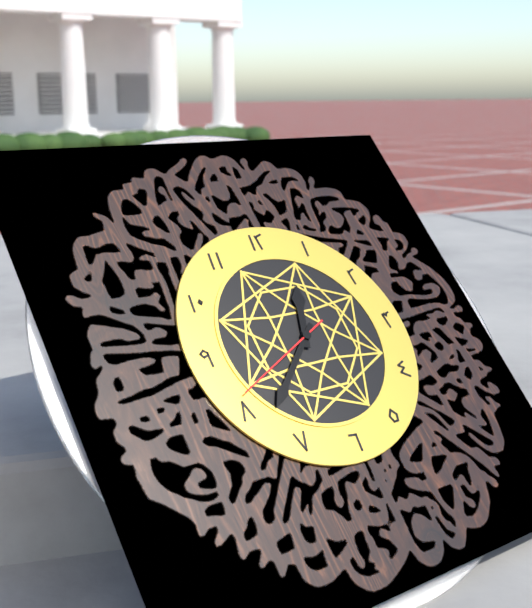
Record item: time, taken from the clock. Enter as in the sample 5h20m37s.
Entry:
12h38m41s
